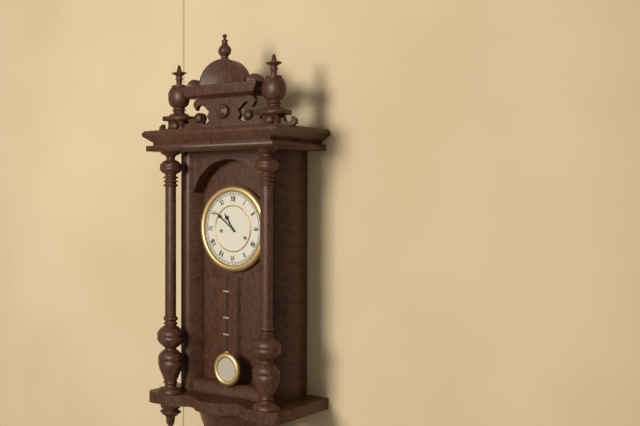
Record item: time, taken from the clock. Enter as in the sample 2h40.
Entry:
10h51
